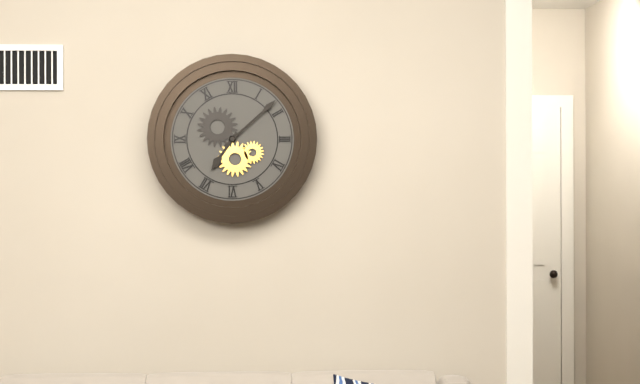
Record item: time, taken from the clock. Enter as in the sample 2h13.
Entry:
7h08
